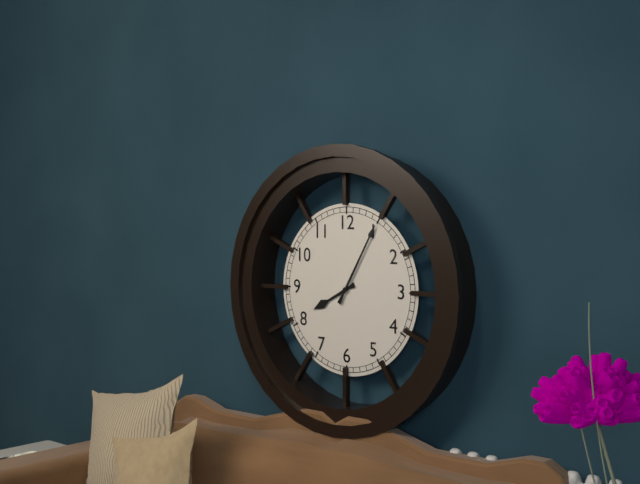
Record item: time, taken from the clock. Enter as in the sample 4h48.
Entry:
8h05
